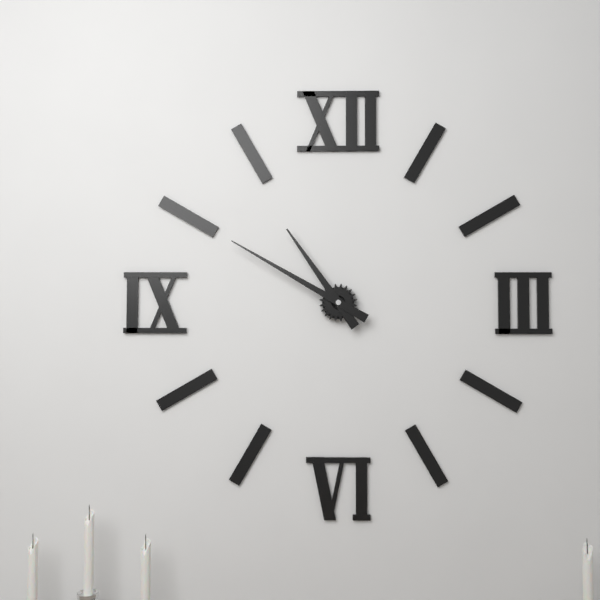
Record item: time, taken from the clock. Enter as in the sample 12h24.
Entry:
10h50
